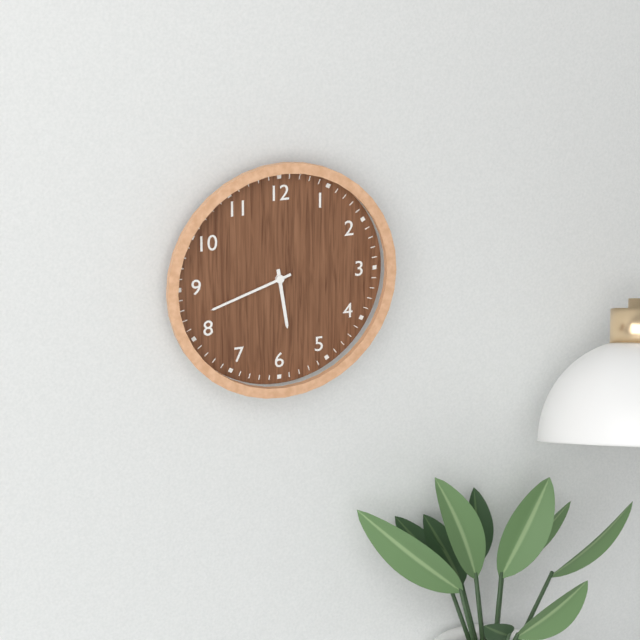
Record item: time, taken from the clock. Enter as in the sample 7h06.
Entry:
5h42
